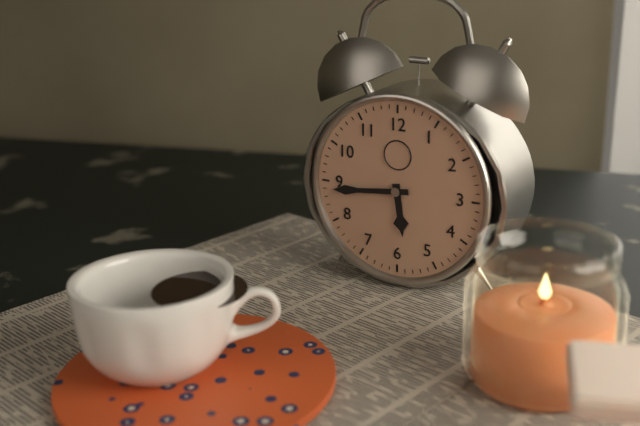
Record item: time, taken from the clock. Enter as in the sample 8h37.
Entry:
5h44
